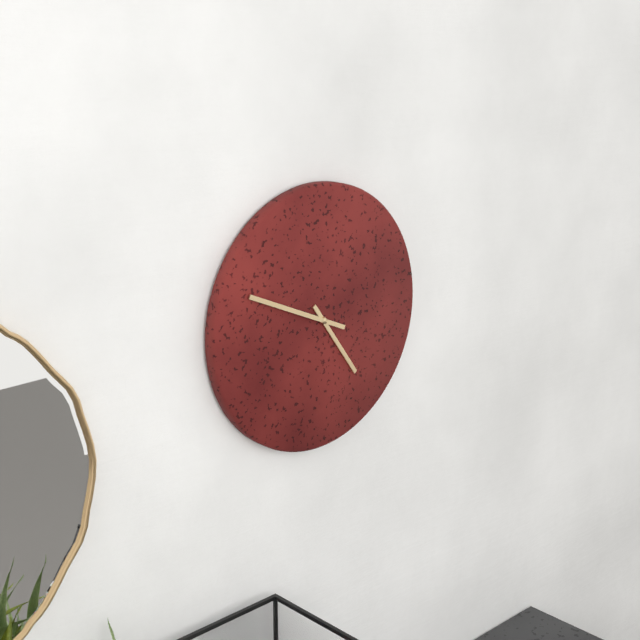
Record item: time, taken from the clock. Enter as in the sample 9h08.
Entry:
4h49
